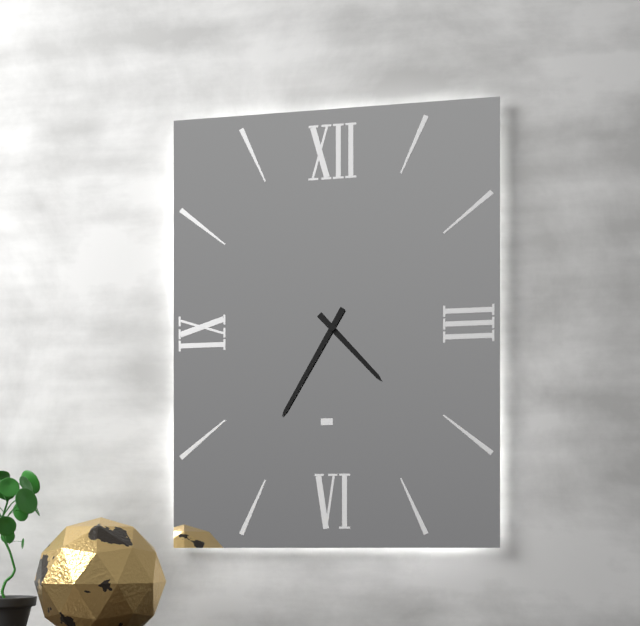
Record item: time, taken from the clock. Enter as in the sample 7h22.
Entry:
4h35
